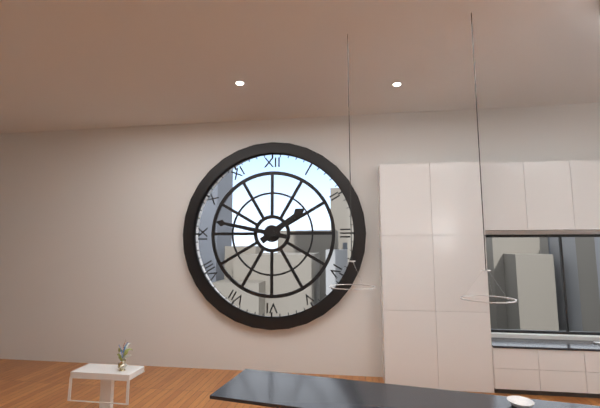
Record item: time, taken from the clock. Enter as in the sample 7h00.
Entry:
1h47
